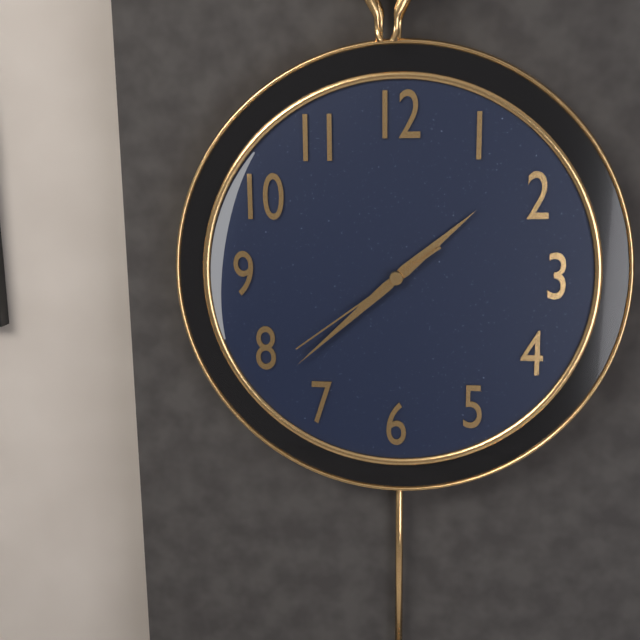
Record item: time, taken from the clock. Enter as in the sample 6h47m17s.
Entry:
1h38m39s
